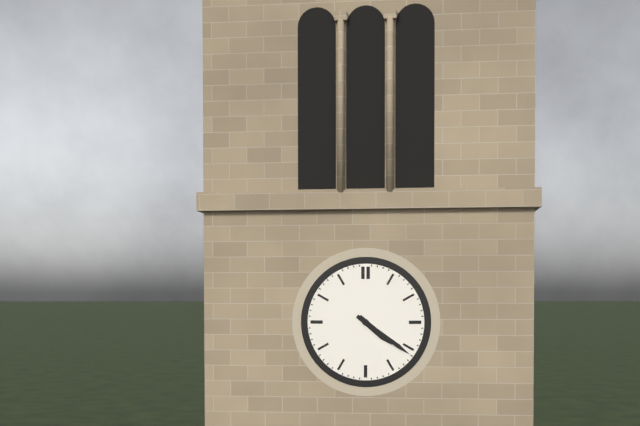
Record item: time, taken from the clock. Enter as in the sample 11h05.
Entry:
4h21
